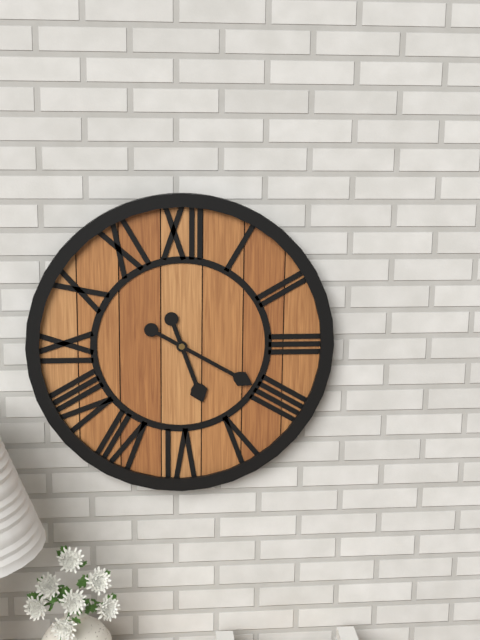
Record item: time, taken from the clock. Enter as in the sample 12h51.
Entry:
5h20
